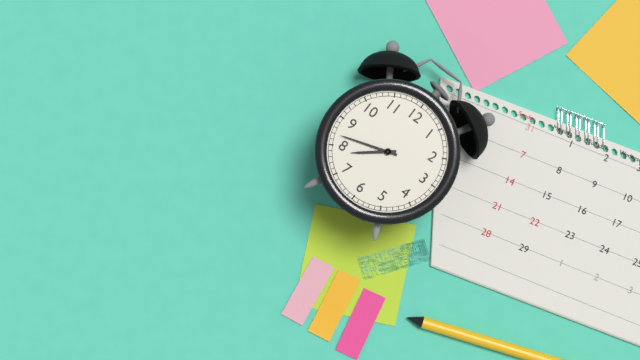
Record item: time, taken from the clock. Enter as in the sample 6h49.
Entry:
7h42
